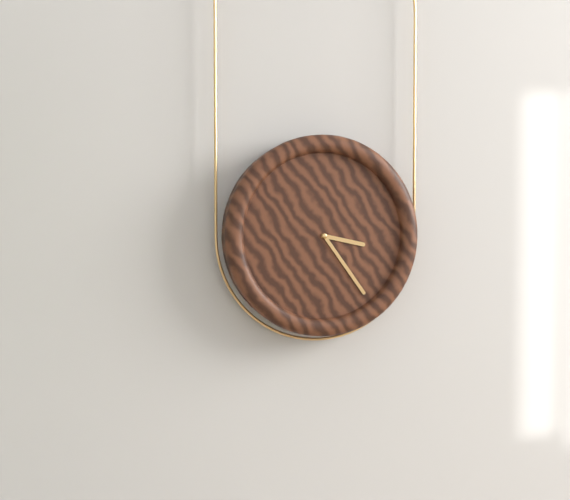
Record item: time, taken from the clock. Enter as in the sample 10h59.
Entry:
3h24
